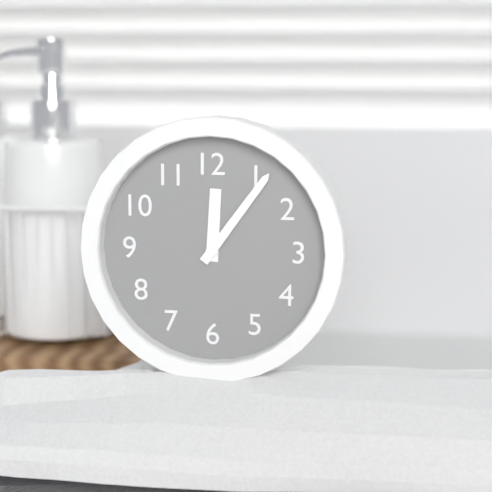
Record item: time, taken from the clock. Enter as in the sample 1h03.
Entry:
12h06
